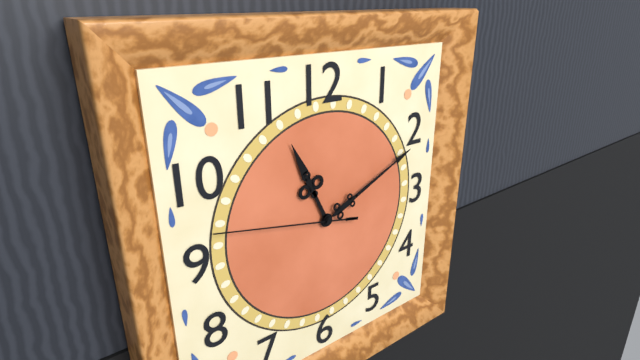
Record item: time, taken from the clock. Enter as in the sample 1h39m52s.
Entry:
11h11m47s
